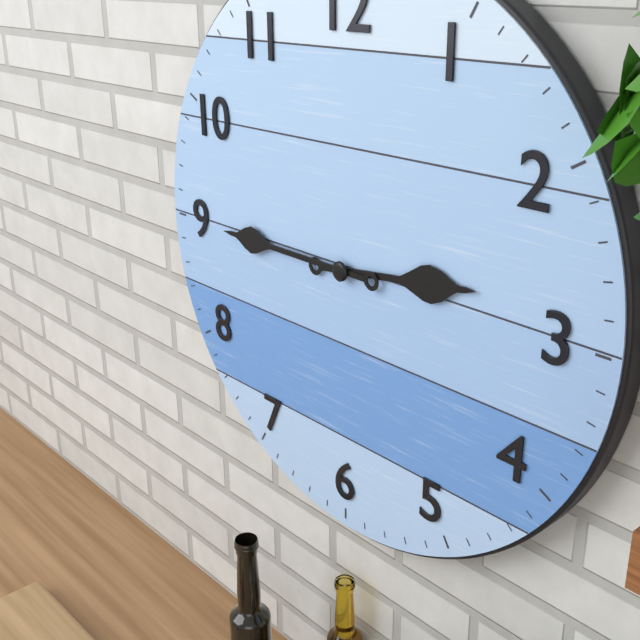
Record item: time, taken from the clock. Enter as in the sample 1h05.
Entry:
2h45
